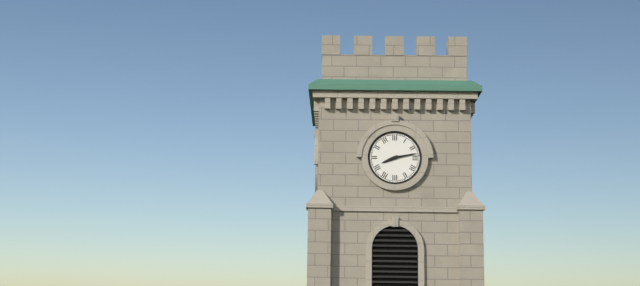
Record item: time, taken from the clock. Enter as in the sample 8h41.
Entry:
8h13
